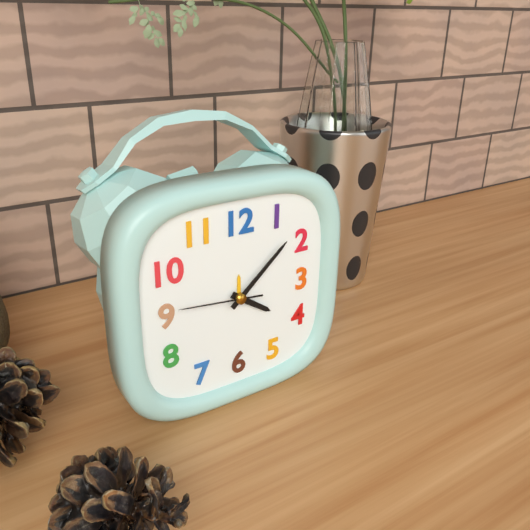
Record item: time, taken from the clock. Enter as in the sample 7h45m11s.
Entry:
4h08m46s
